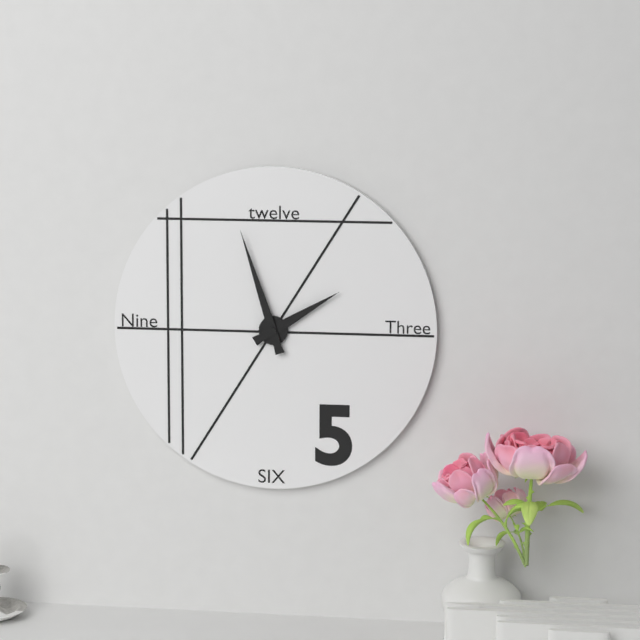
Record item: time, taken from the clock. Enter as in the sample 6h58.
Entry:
1h57
